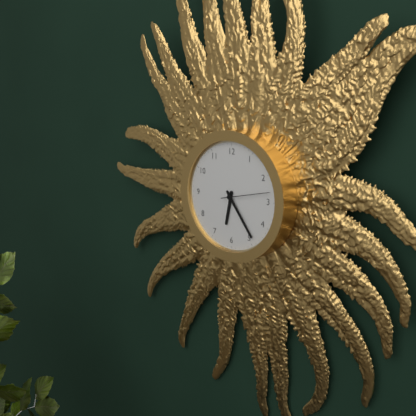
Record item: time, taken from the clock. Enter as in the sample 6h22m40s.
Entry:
6h24m13s
